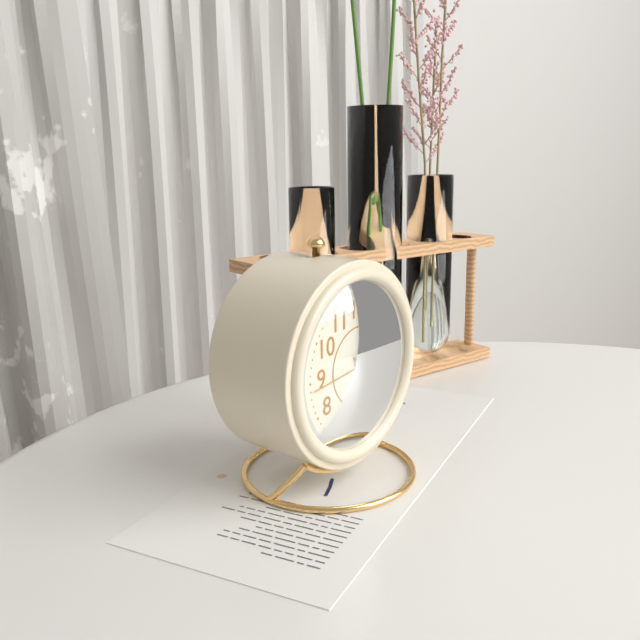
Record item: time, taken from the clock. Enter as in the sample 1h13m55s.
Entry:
6h25m44s
